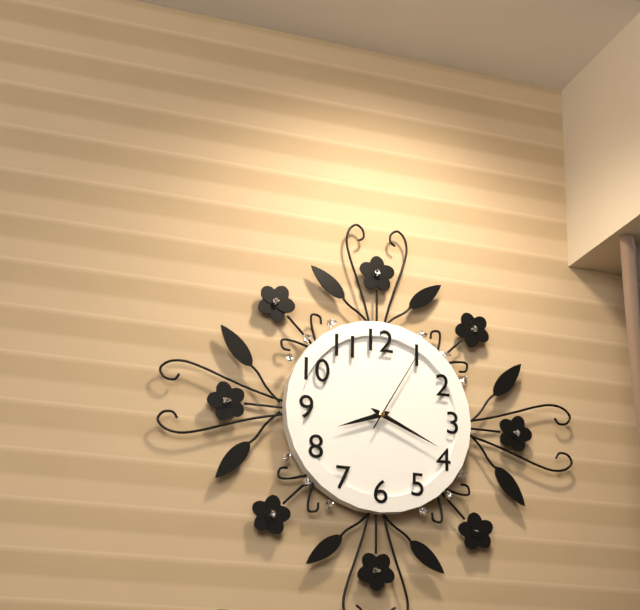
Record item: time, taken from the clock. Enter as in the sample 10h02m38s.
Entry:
8h19m05s
